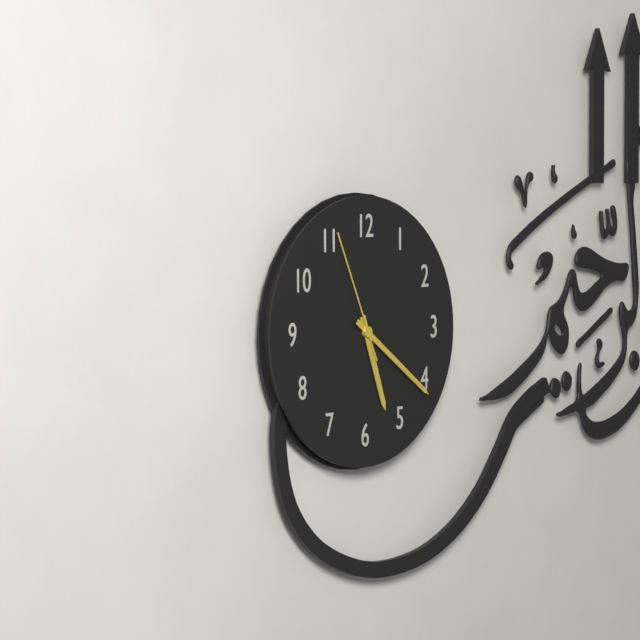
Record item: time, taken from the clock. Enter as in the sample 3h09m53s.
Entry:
5h21m56s
